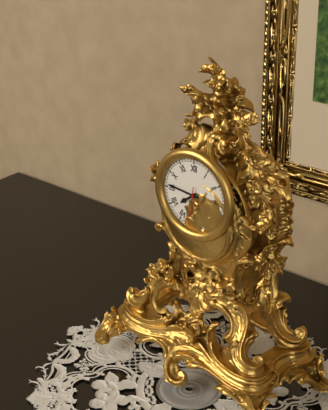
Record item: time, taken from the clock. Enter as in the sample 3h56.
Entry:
7h46
